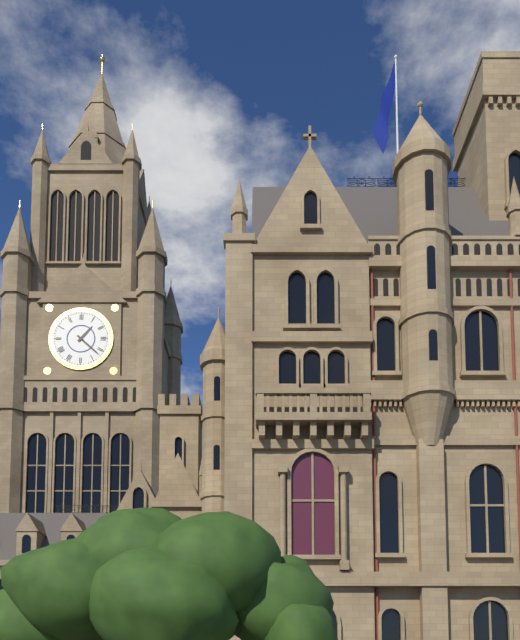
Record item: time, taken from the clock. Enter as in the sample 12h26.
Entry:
1h22
